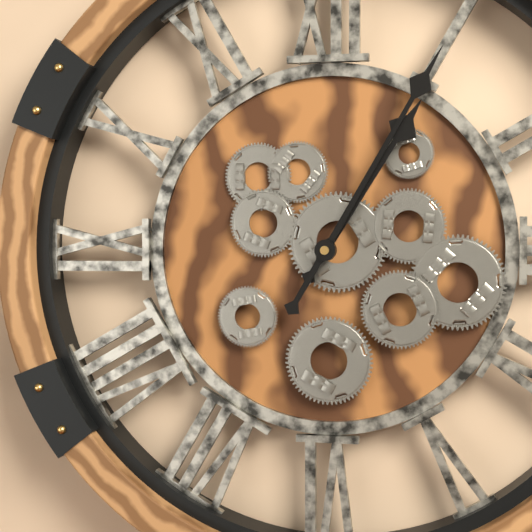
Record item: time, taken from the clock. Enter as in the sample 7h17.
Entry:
1h05
